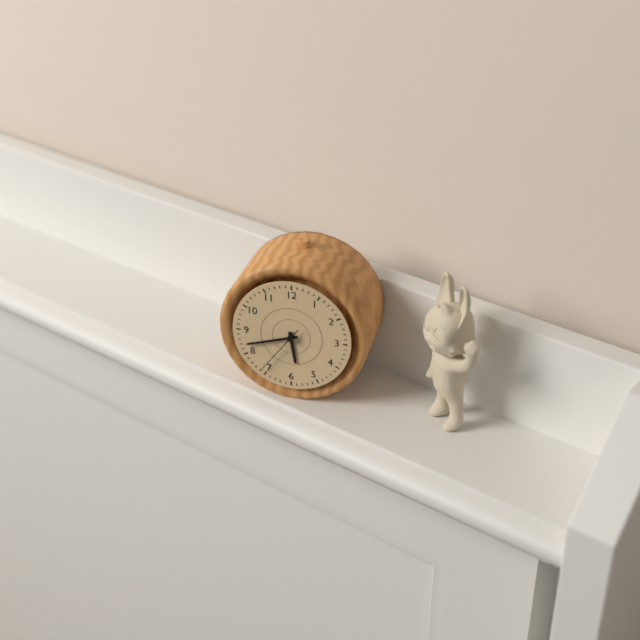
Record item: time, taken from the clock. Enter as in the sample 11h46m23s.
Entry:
5h42m36s
